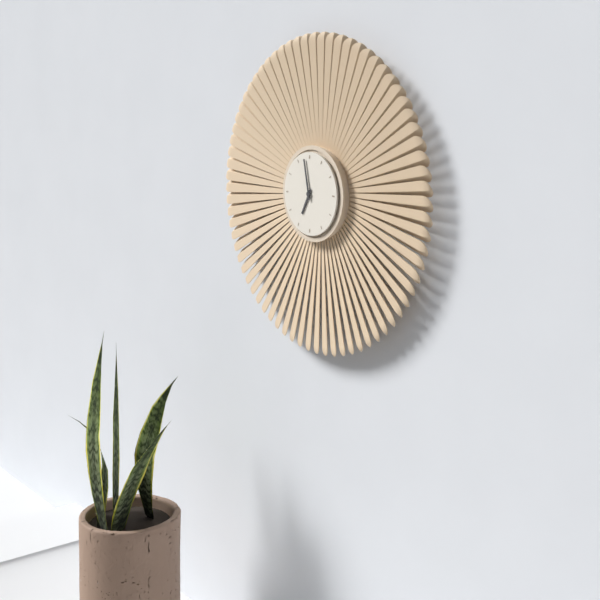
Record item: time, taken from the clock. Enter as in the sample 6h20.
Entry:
6h58
